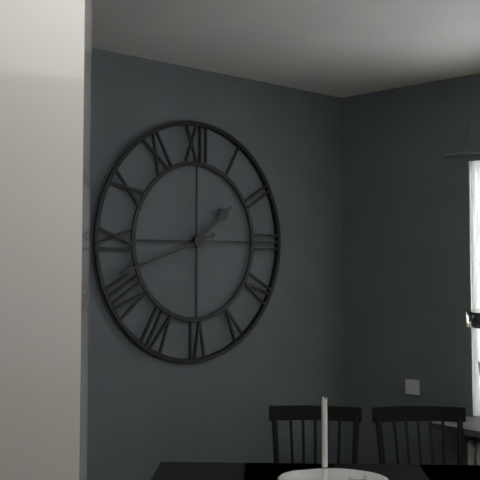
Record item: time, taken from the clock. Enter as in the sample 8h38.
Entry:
1h42
